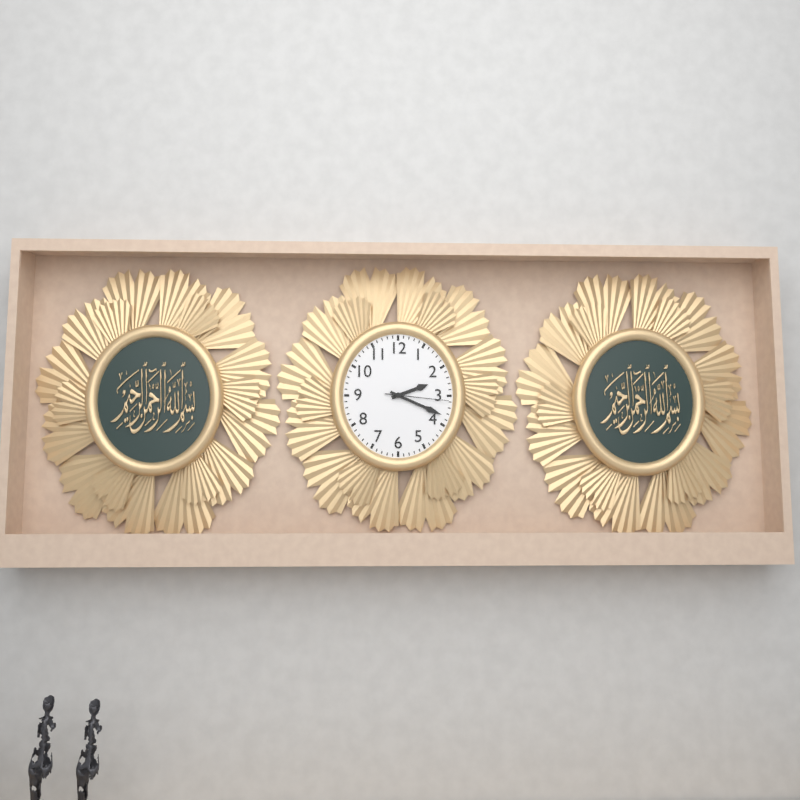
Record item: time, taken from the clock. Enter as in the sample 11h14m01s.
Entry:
2h19m16s
